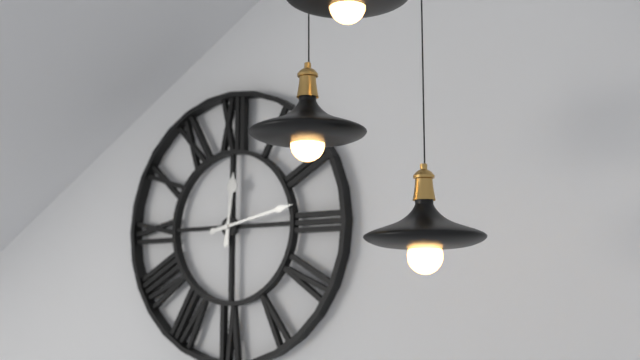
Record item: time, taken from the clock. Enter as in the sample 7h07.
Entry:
12h13
